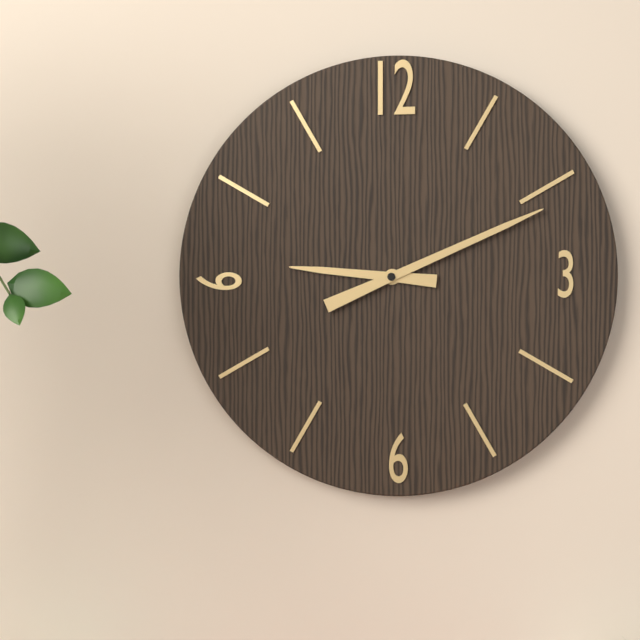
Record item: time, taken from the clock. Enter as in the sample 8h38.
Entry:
9h11
